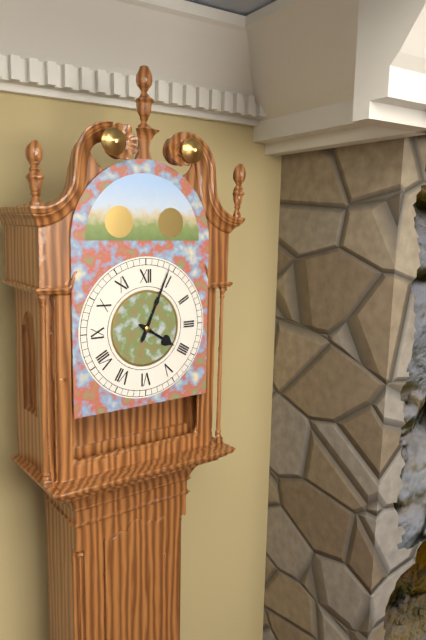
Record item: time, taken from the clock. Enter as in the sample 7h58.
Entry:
4h04
